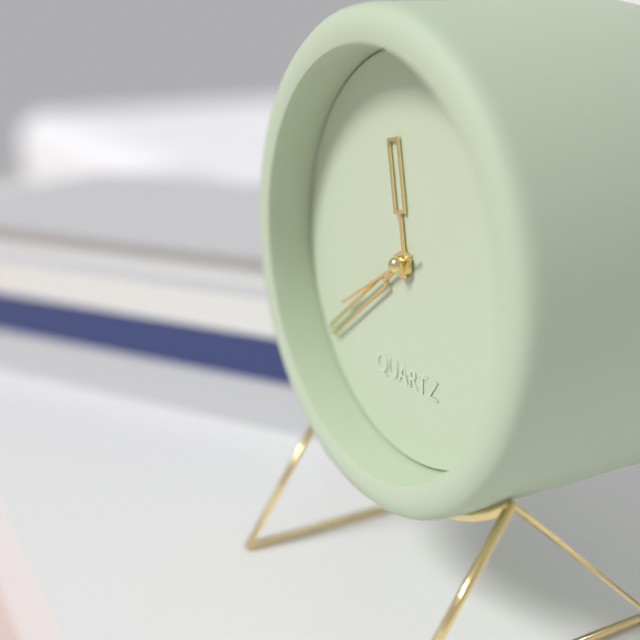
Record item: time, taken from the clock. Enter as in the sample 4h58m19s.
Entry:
11h39m40s
